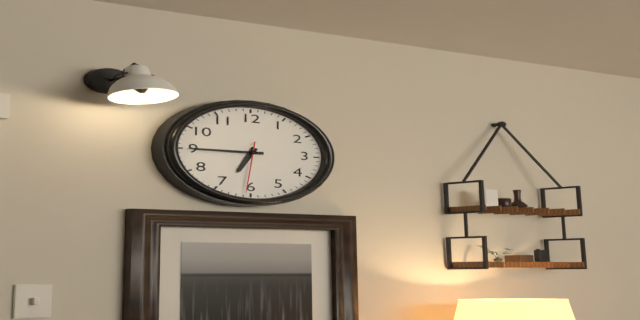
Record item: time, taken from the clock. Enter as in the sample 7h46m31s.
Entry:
6h45m31s
